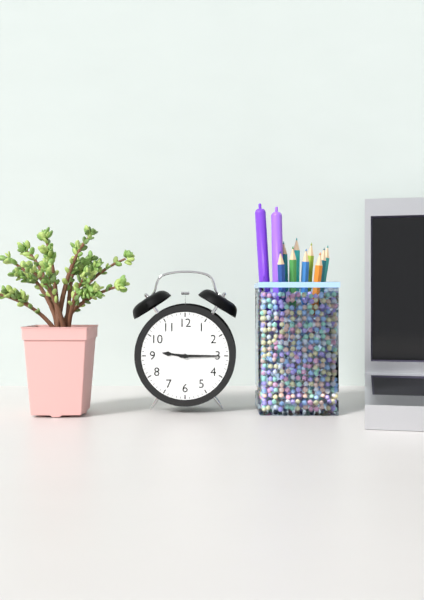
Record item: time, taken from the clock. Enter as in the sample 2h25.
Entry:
9h15
